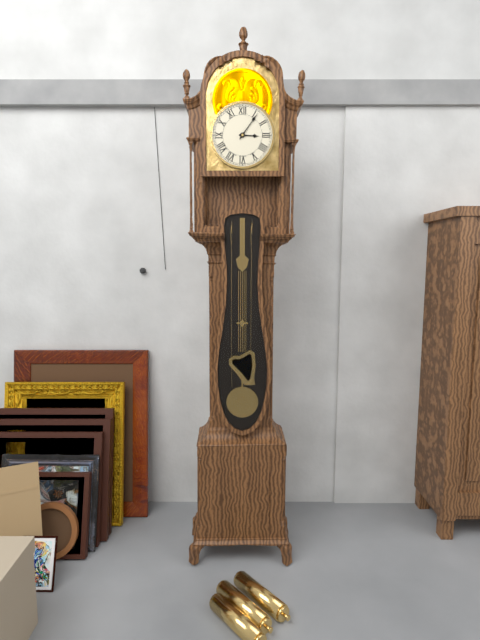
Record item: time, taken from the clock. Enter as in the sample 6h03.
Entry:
3h06
